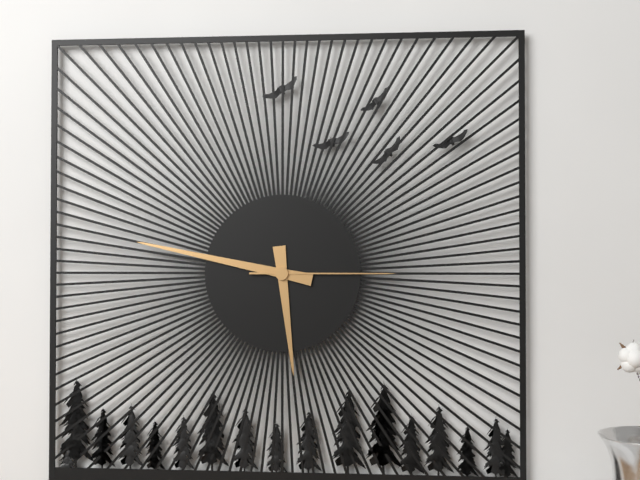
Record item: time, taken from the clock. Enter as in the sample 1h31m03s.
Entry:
5h47m15s
